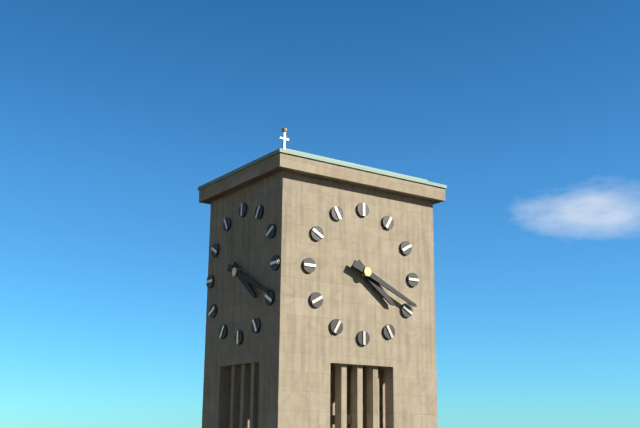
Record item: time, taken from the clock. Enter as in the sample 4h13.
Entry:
4h19
